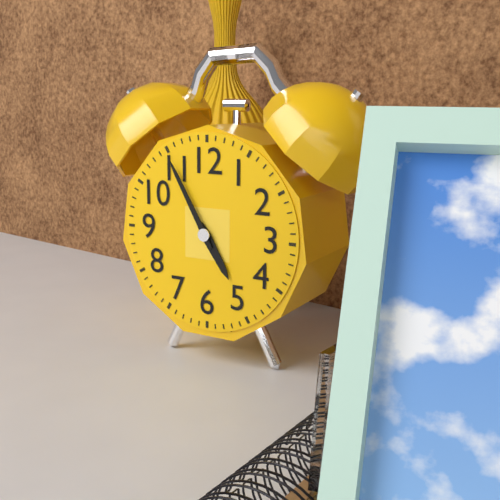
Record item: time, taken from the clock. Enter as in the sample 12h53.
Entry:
4h55
